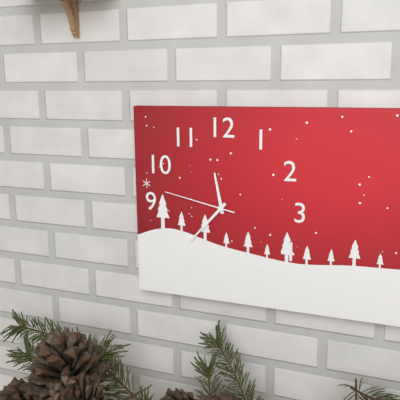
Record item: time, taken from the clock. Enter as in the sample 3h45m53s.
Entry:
11h37m47s
